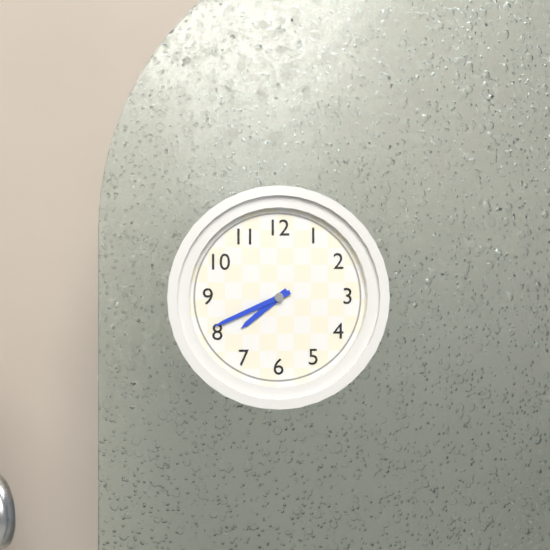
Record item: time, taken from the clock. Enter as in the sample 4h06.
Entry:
7h41
